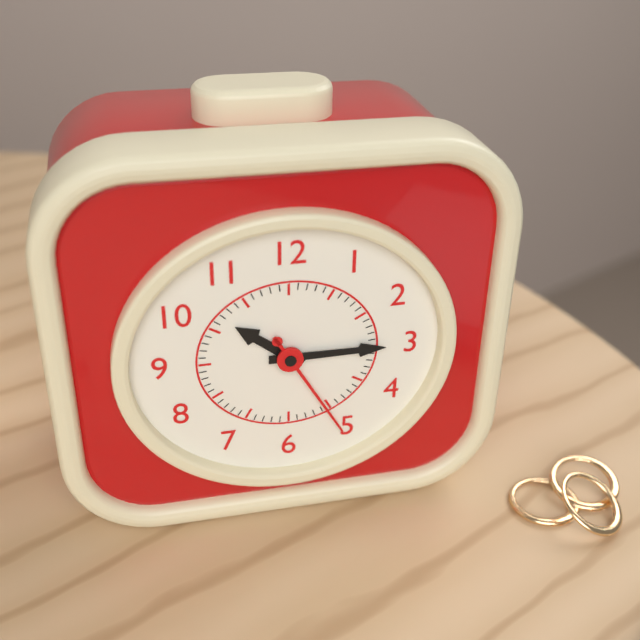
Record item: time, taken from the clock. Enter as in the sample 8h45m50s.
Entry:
10h15m25s
